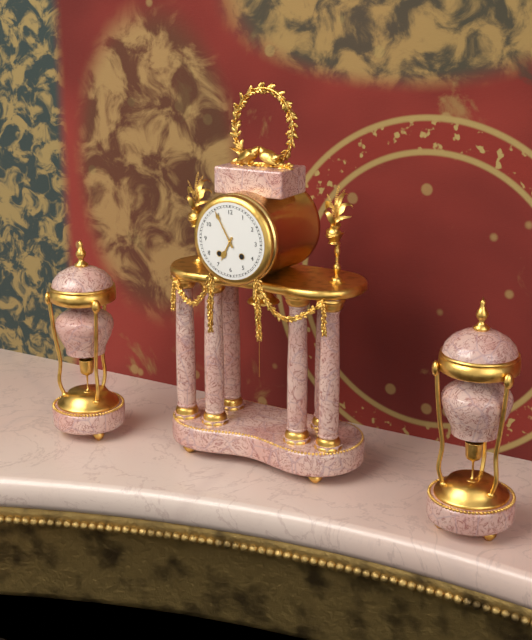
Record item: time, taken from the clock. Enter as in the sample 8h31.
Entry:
6h55
